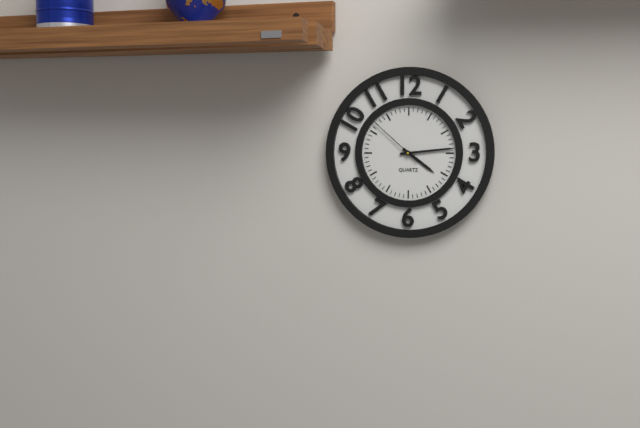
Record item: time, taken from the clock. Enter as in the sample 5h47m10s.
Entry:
4h14m52s
